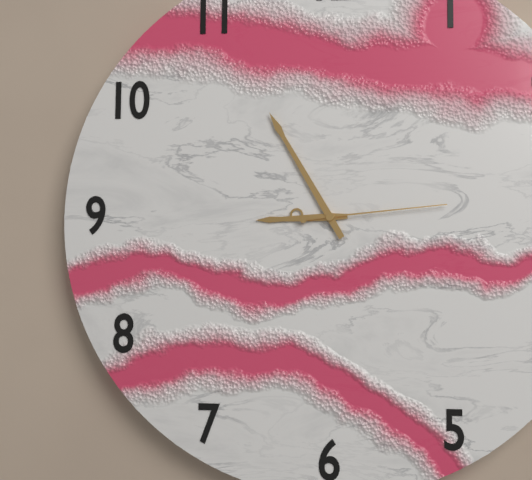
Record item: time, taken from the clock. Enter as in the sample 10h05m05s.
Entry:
8h55m14s
